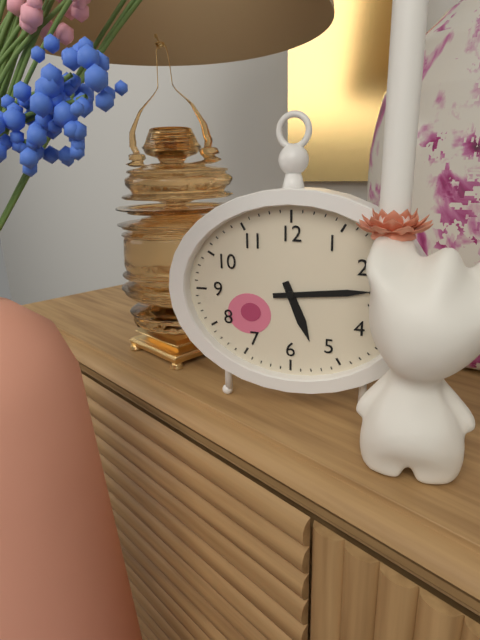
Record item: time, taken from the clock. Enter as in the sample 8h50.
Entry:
5h14
